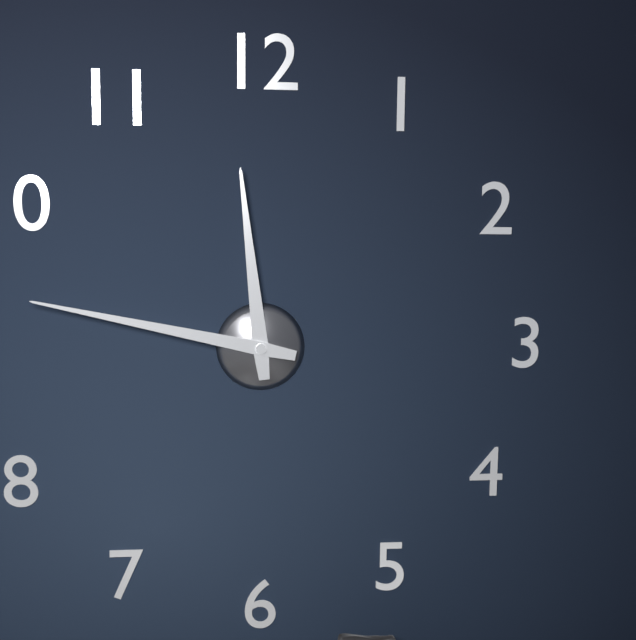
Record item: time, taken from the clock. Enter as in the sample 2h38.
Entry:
11h47
